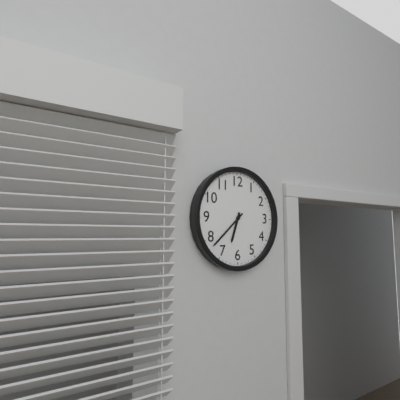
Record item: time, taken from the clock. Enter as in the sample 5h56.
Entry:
6h38
